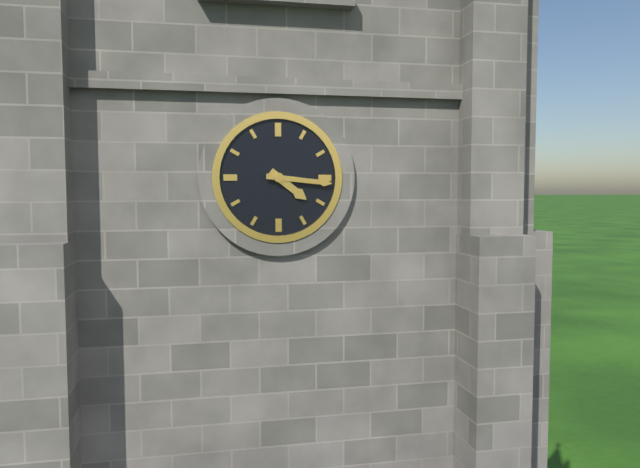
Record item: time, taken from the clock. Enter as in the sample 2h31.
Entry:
4h16
